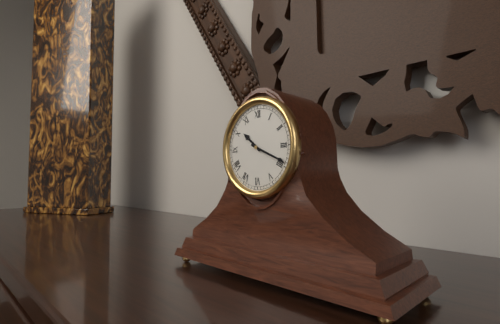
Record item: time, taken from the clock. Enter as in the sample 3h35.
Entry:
10h19
